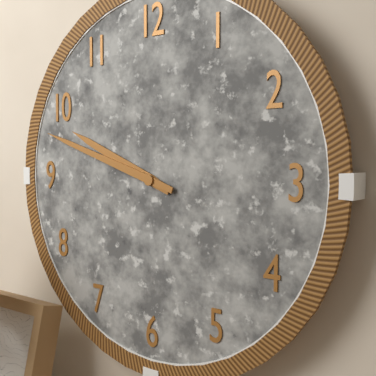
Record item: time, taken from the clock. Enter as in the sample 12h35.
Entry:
9h48
